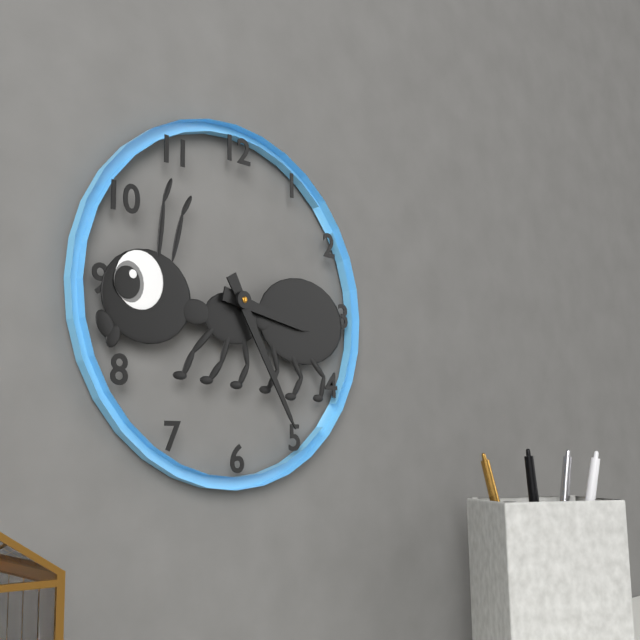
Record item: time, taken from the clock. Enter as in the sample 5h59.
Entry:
3h25
